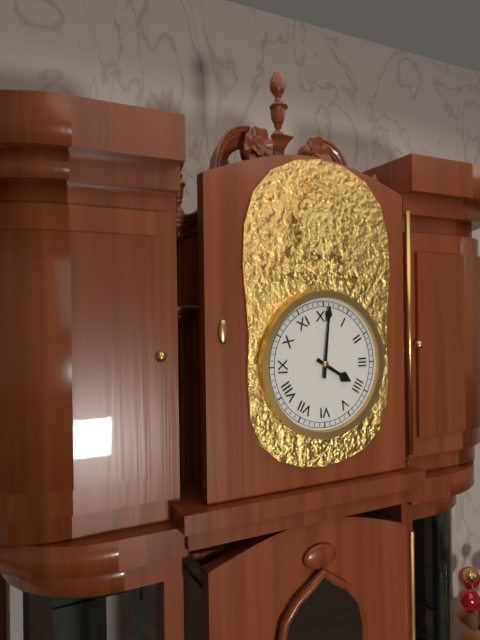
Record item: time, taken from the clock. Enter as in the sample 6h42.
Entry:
4h01
